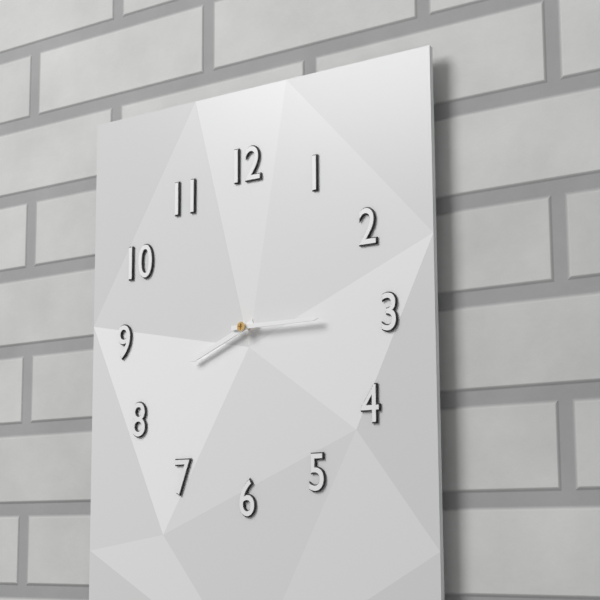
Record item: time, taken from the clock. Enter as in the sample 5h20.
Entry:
8h15
